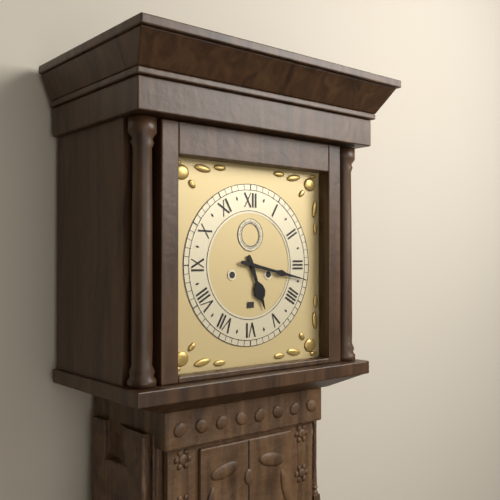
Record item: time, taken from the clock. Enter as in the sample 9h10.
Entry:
5h17
